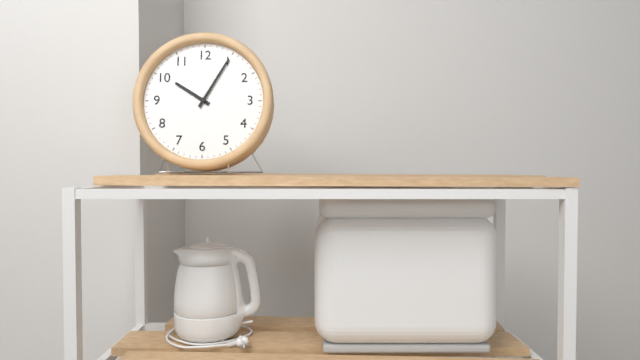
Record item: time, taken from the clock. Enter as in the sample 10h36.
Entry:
10h05
